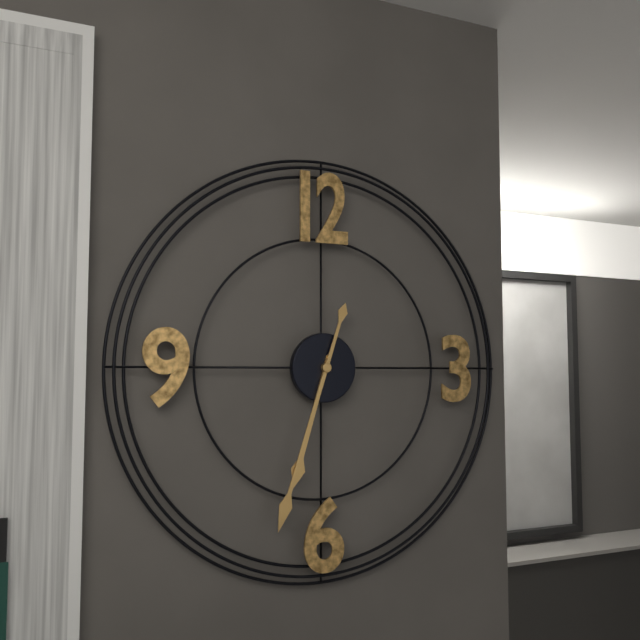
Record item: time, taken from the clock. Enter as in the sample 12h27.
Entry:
6h33
